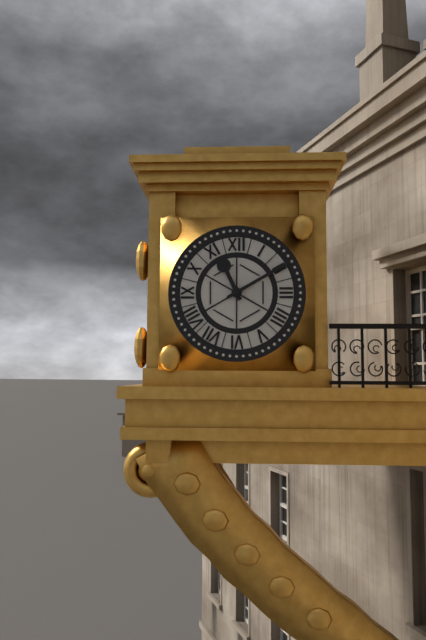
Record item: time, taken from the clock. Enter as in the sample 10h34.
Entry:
11h10
